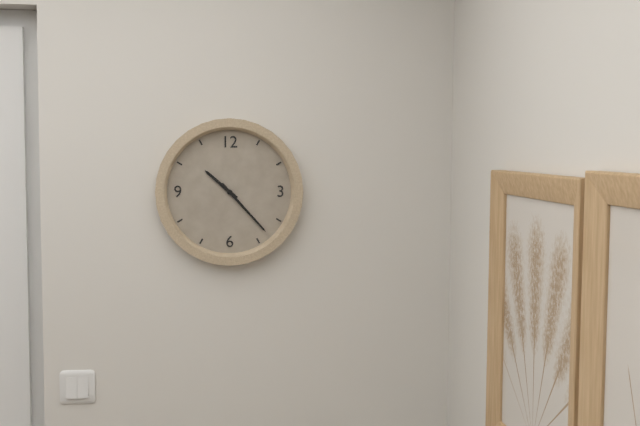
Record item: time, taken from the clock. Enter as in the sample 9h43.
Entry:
10h23
